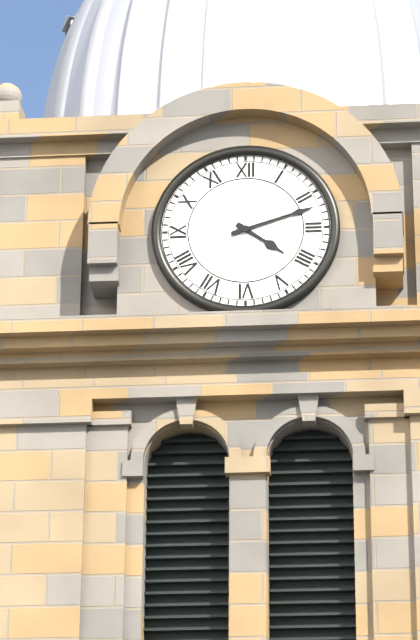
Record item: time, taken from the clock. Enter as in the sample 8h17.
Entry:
4h12
